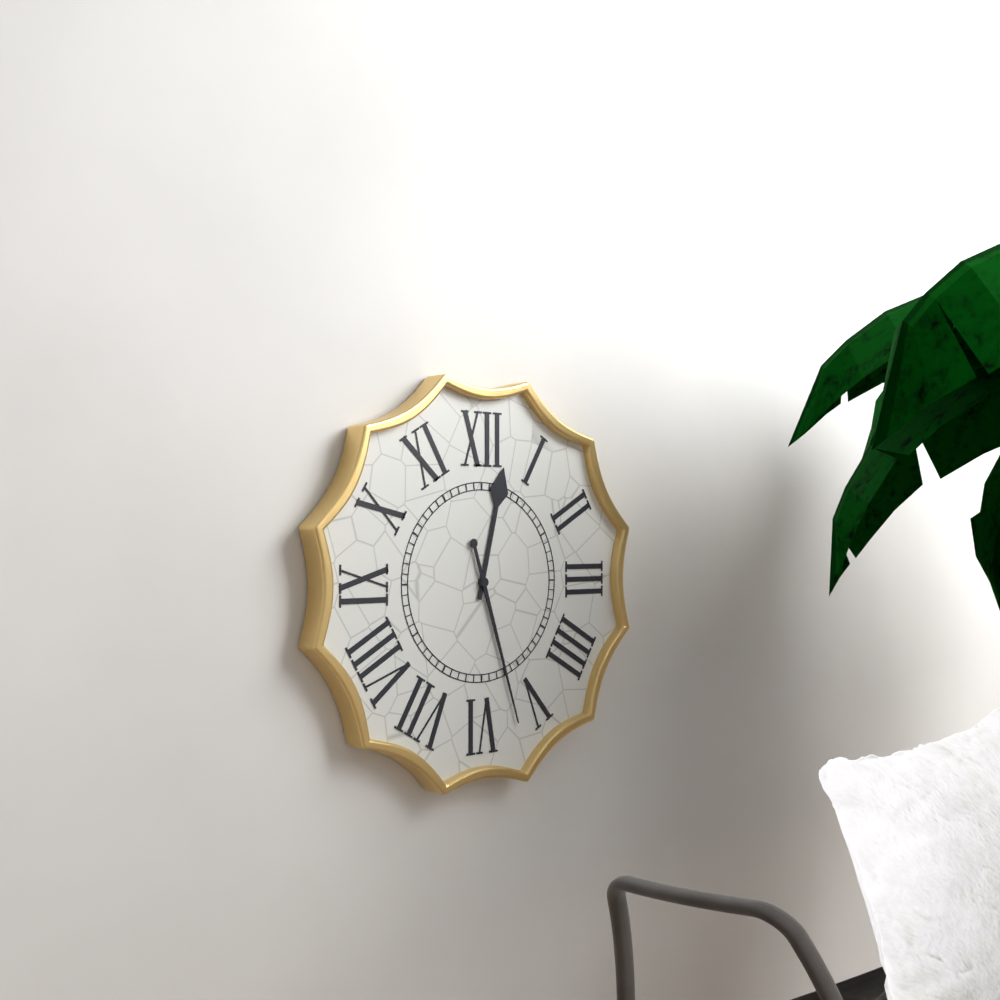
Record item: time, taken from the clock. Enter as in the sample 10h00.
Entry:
12h27
